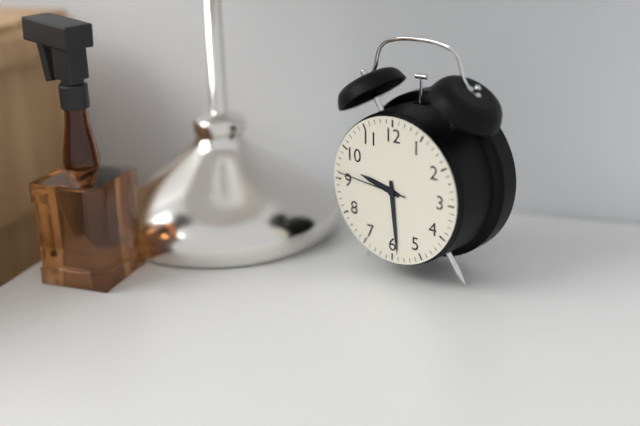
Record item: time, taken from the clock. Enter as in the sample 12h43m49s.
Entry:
9h29m46s
